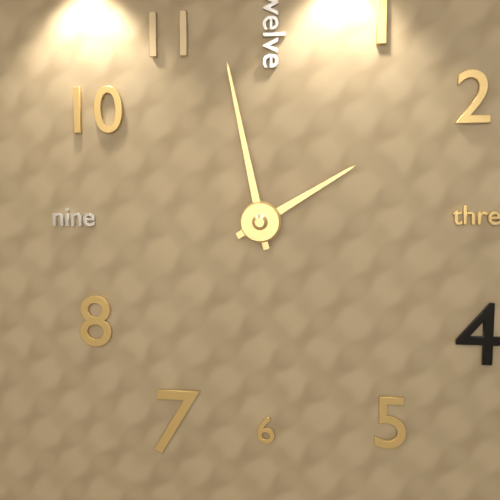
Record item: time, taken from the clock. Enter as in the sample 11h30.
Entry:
1h58
